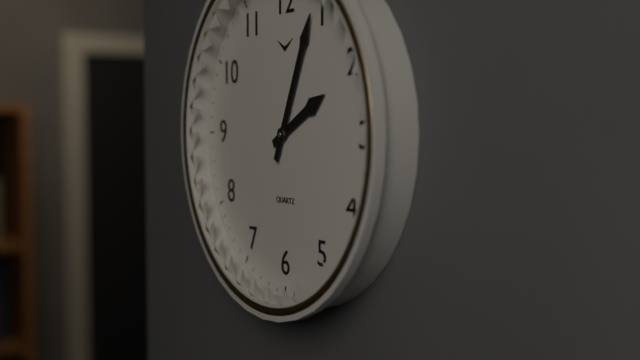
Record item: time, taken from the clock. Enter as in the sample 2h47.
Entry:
2h04
